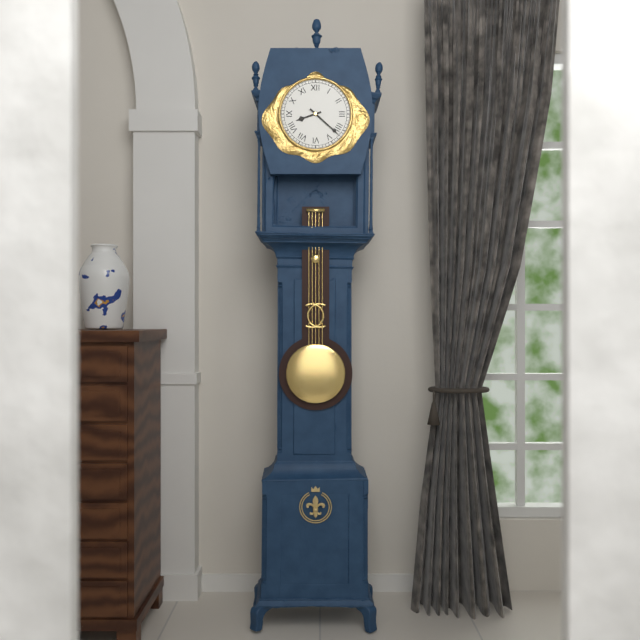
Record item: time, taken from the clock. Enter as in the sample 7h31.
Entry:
8h22
